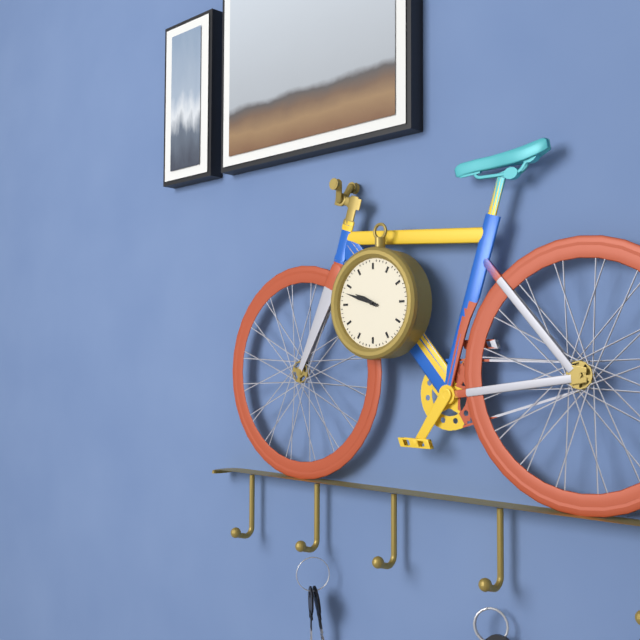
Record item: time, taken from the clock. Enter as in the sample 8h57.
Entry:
9h48
